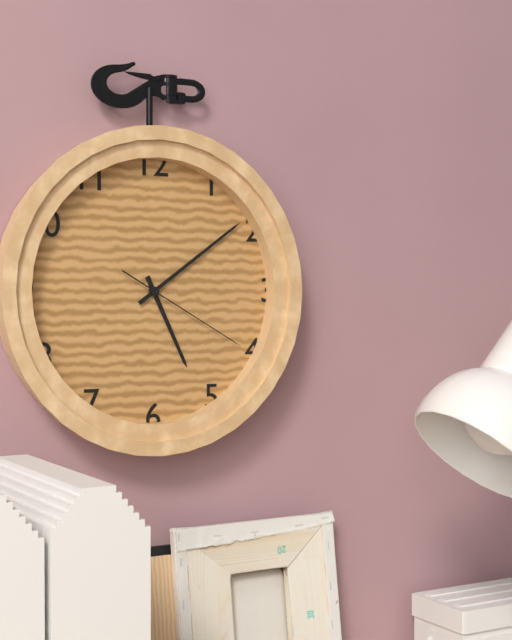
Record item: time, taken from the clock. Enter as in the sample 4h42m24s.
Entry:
5h09m20s
